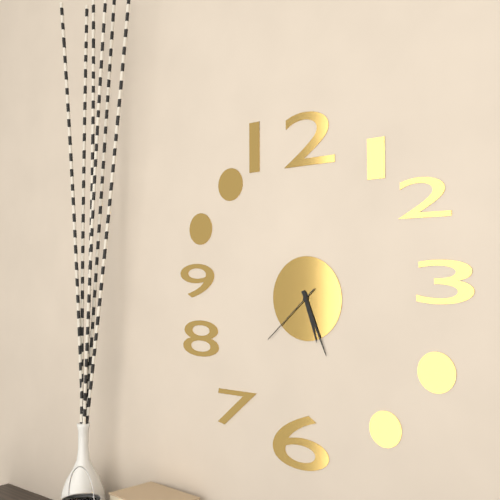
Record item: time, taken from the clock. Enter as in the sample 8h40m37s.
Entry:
5h26m38s
